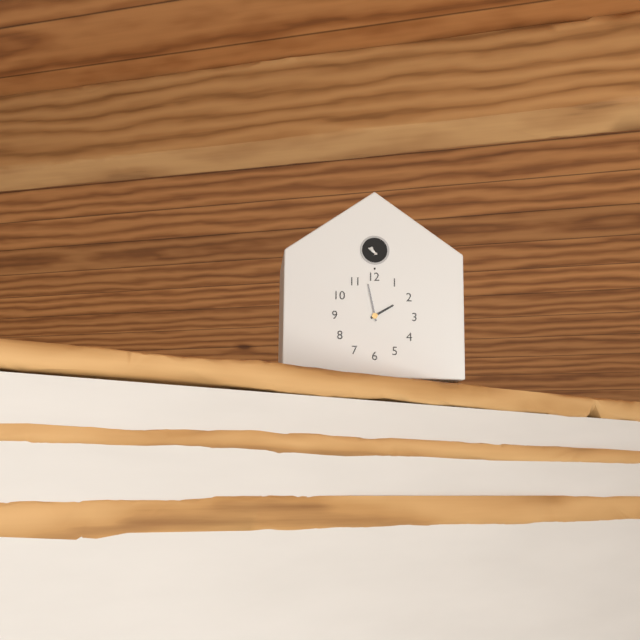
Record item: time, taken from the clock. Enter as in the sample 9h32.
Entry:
1h58
